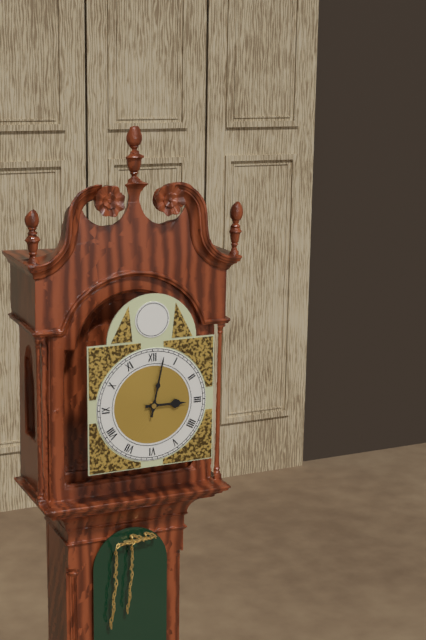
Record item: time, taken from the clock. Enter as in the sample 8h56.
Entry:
3h02
